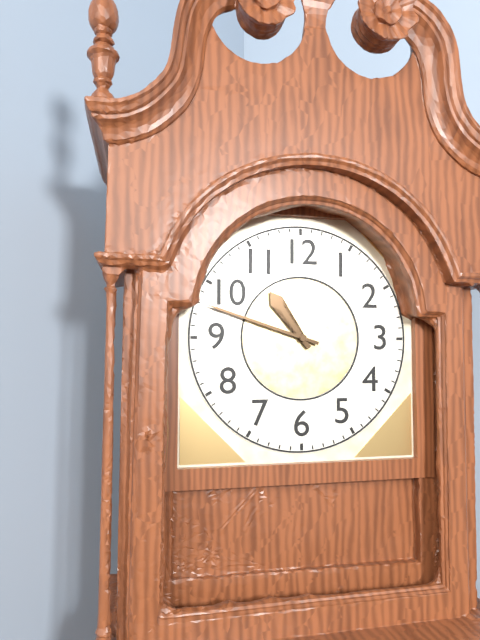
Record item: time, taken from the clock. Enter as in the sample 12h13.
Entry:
10h48
